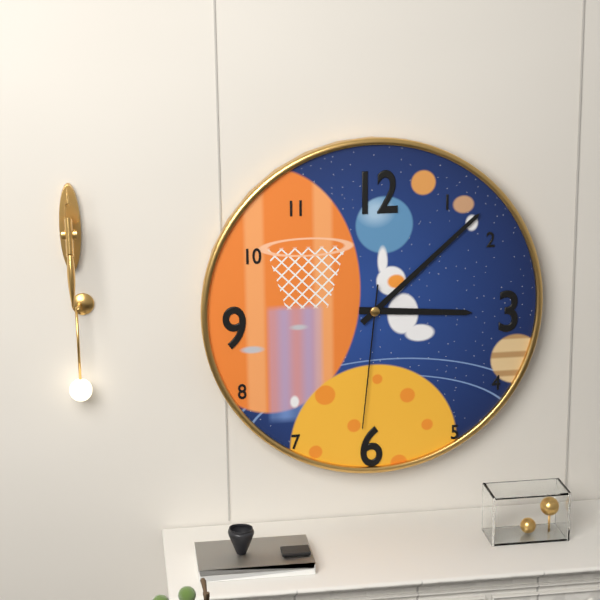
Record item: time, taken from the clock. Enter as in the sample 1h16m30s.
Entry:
3h08m31s
